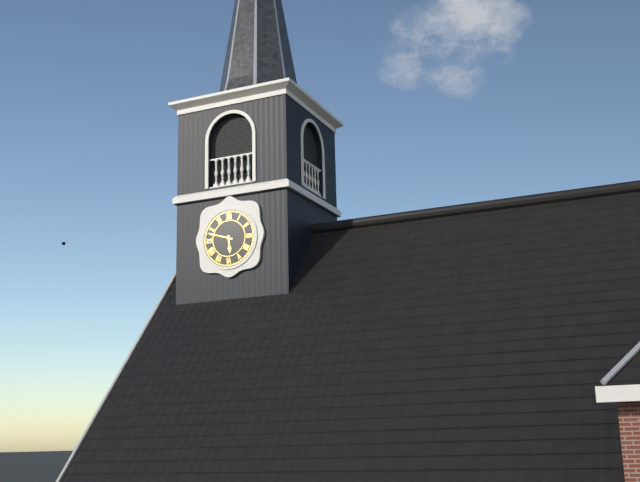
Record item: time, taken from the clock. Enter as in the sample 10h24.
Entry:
5h48
